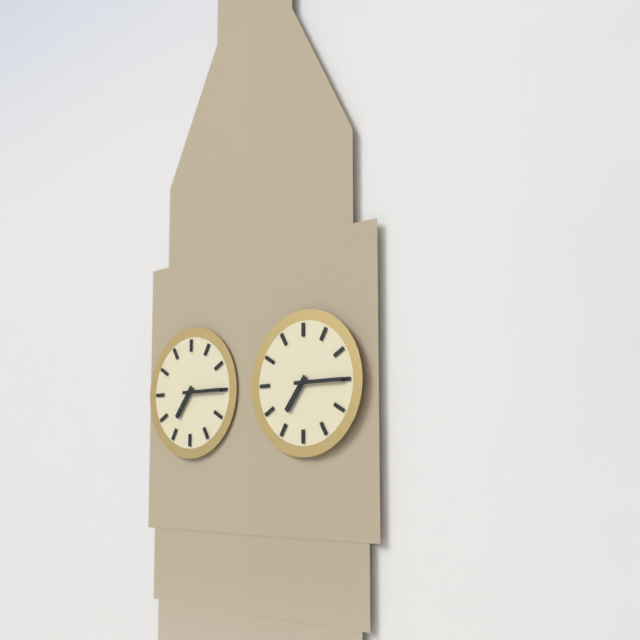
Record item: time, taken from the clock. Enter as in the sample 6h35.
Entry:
7h15
